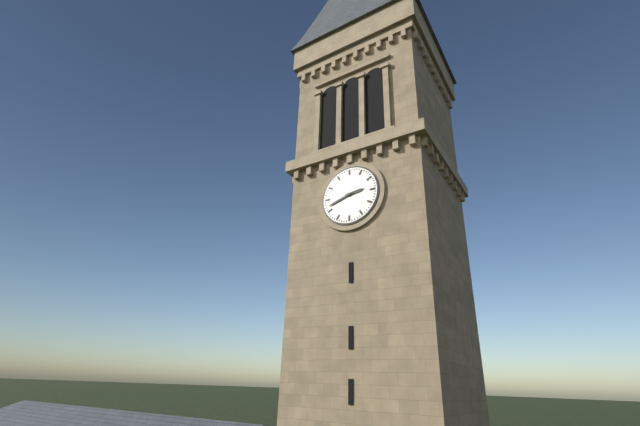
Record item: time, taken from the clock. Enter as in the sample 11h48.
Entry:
2h42
